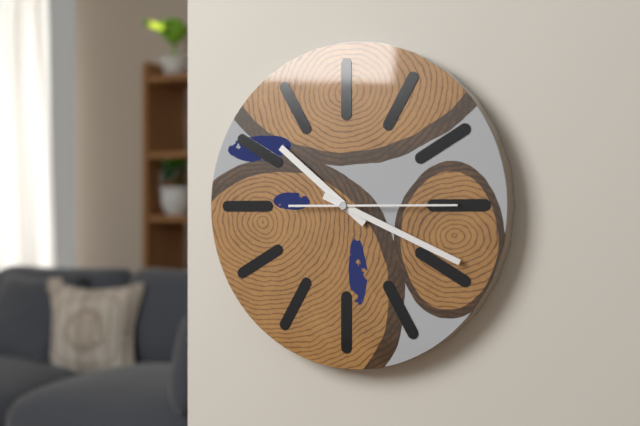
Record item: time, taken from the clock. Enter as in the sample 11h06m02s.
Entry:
10h19m15s
